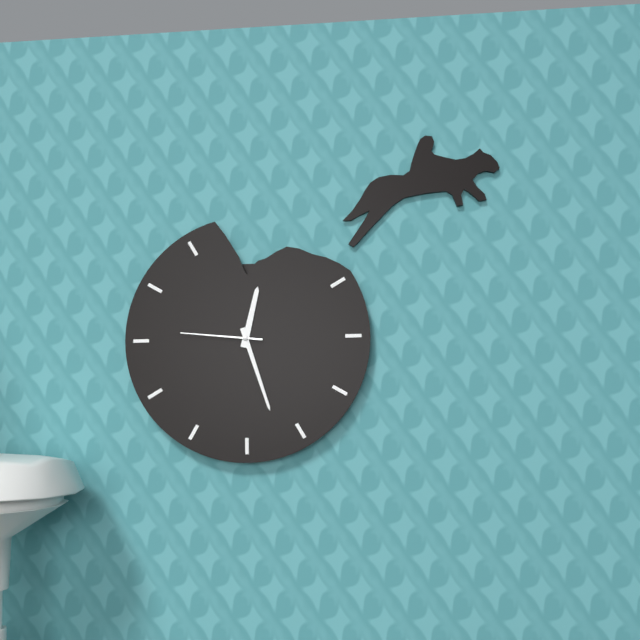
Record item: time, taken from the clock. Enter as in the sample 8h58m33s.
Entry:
12h27m46s
